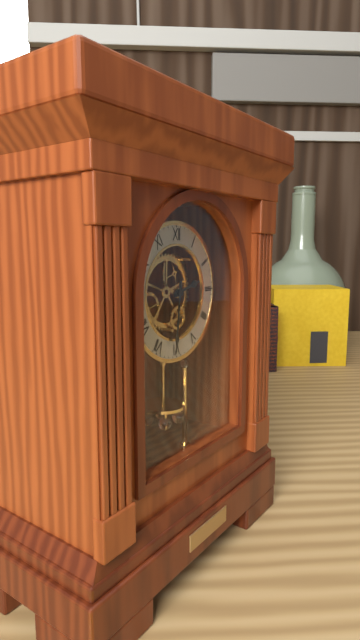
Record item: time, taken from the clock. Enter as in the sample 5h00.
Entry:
2h31
